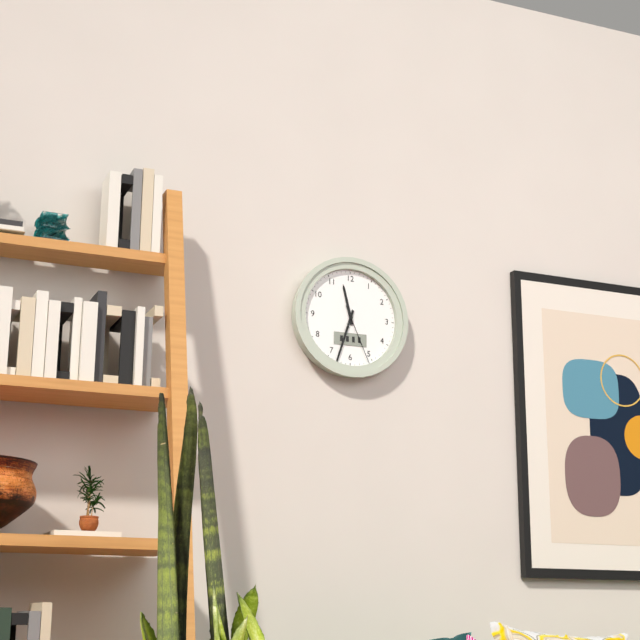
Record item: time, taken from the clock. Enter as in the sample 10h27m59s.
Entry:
11h33m26s
